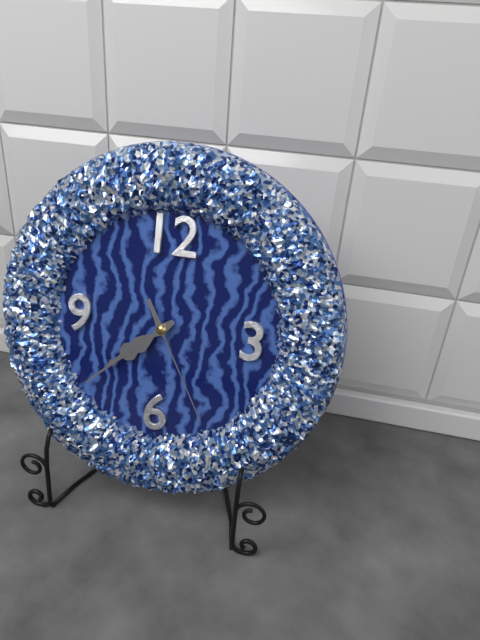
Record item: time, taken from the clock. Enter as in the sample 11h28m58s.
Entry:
7h38m25s
